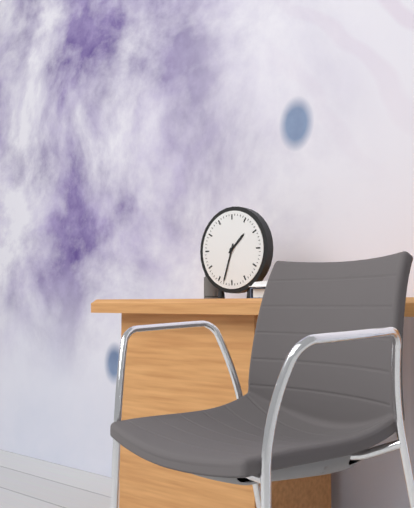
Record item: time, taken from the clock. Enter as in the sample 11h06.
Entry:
1h33
